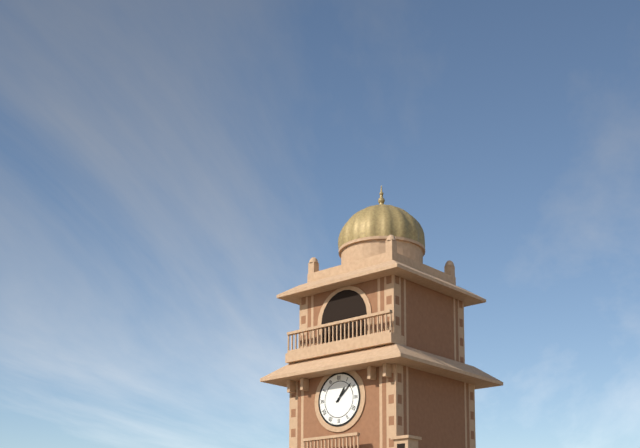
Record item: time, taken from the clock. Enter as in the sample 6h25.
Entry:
1h08
